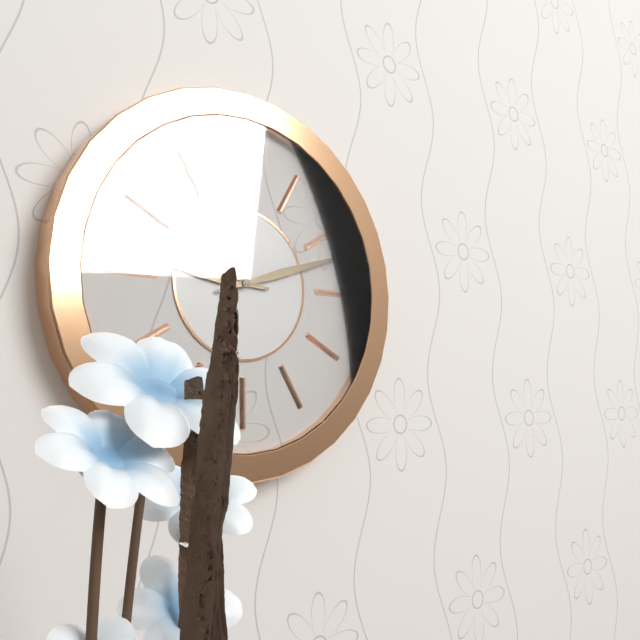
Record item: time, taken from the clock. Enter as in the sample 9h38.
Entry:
9h12
